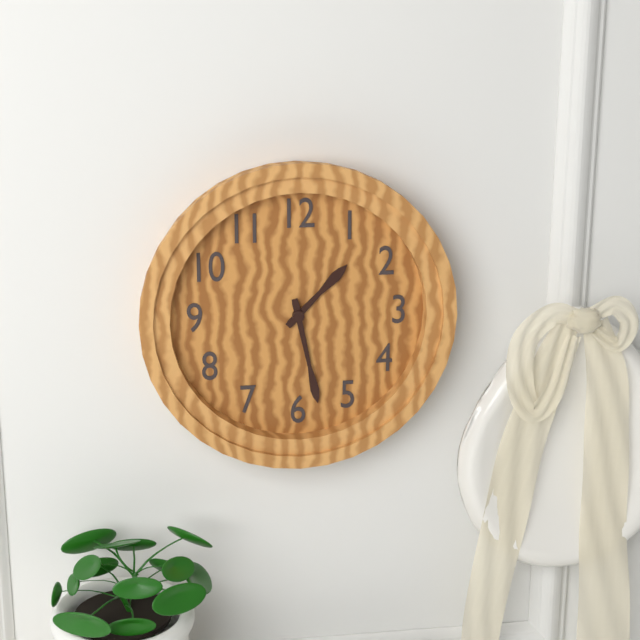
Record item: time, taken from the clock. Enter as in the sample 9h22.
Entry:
1h28
